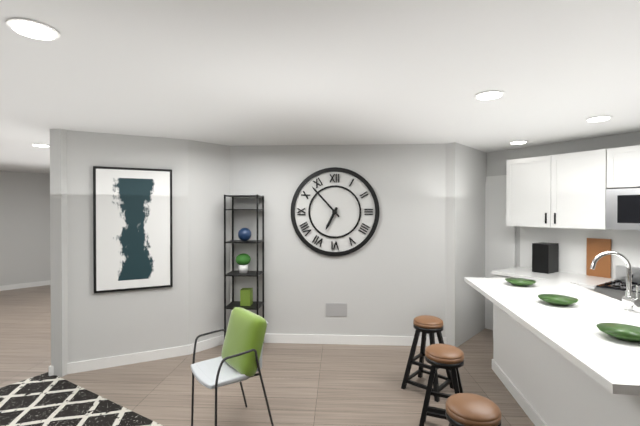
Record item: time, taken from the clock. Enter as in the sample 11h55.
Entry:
6h53
